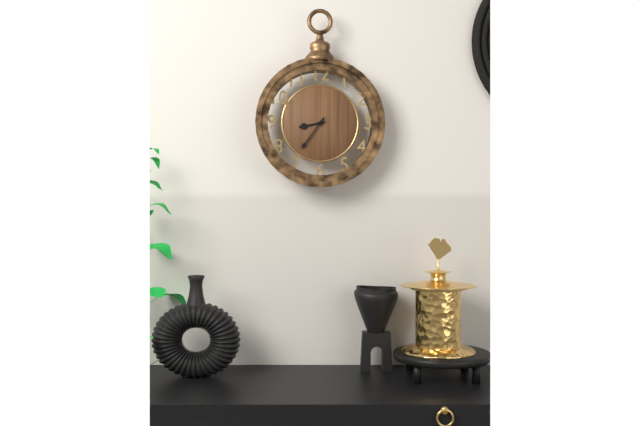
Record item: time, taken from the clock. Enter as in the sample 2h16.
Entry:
8h36
